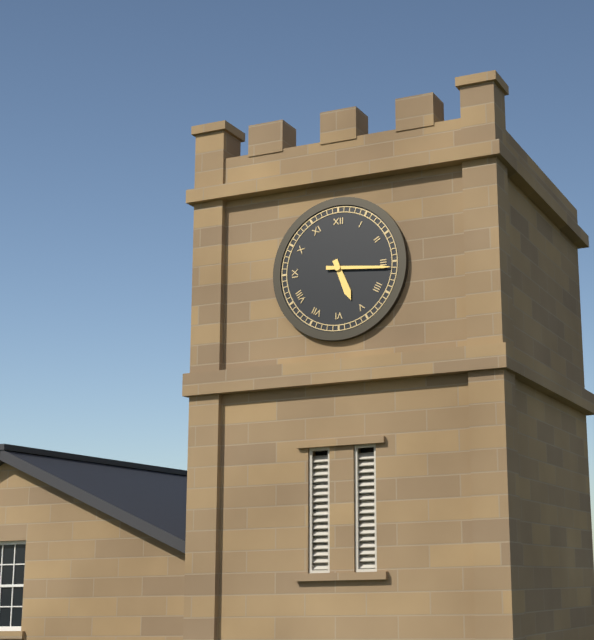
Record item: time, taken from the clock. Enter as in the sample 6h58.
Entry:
5h16
